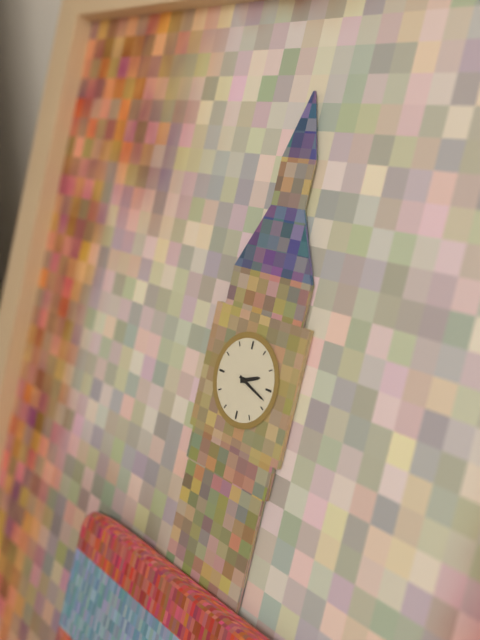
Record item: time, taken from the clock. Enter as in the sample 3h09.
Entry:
2h18
